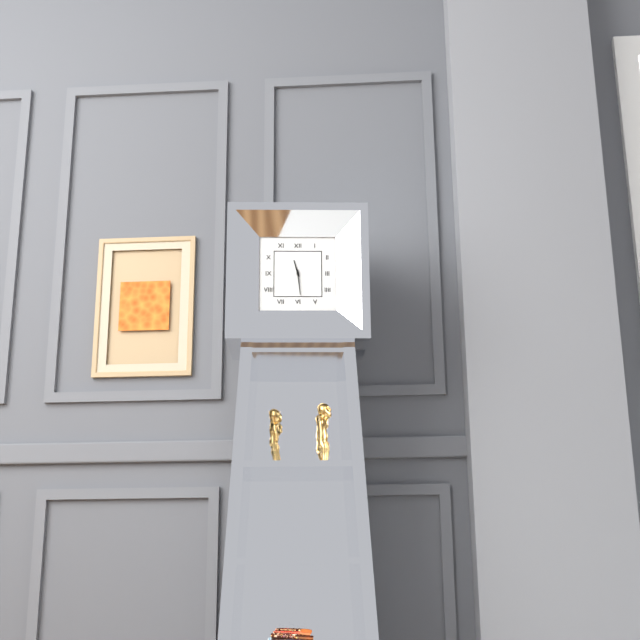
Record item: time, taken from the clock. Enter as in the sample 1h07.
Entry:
11h29
